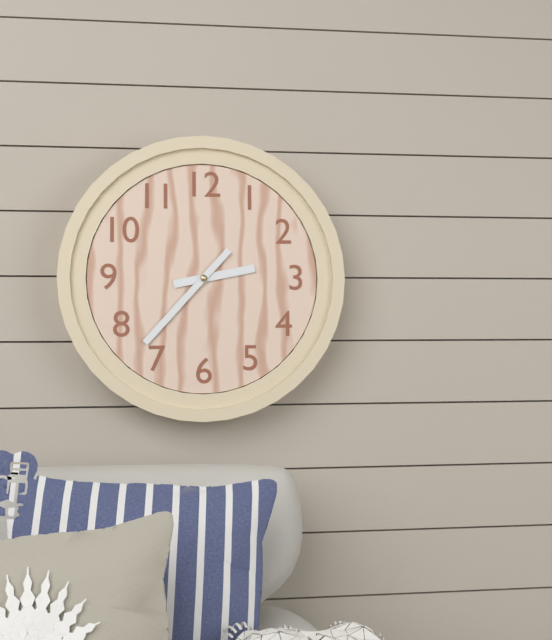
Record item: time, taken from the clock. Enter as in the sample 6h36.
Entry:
2h37
